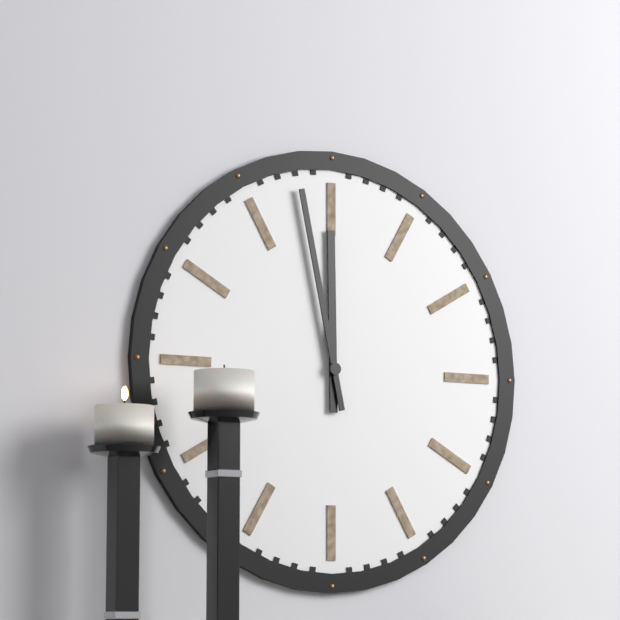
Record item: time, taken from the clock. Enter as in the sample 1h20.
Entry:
11h58
